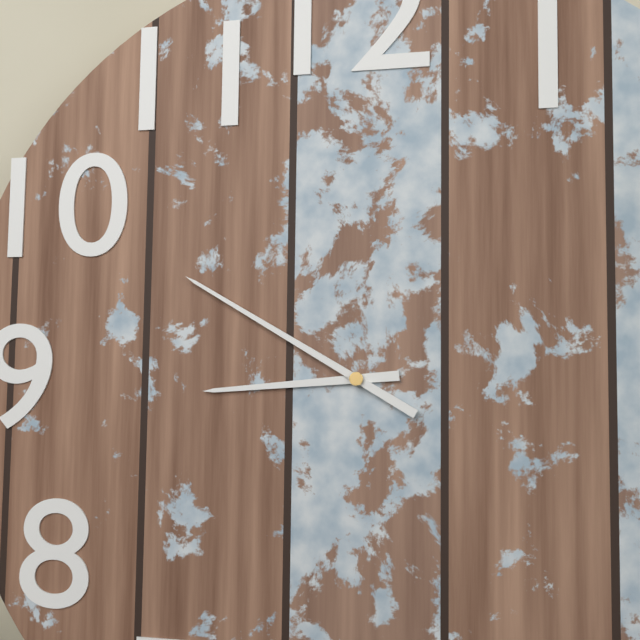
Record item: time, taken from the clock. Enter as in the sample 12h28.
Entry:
8h50
